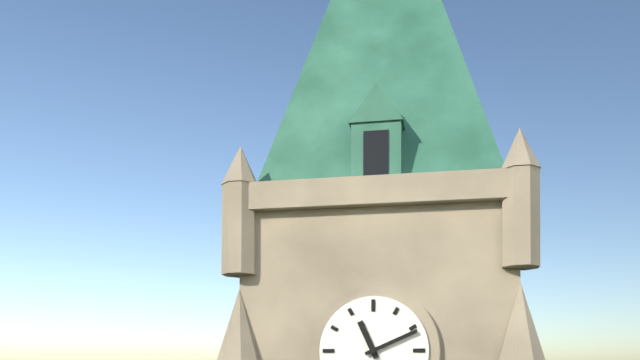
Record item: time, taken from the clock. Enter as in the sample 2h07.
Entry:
11h11
